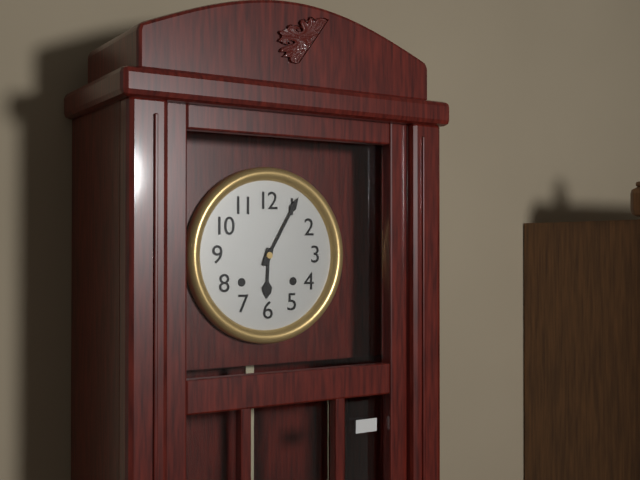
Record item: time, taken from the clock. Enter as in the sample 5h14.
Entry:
6h05
